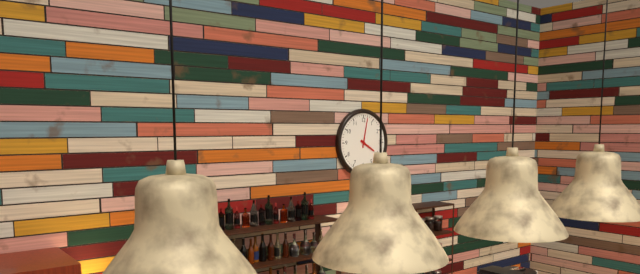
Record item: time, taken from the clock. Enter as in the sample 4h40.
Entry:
4h02
